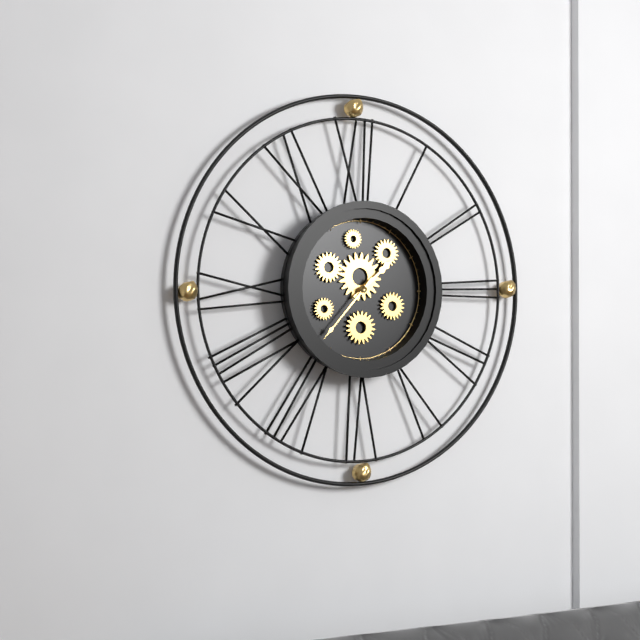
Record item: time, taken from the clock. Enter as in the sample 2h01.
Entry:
1h37
